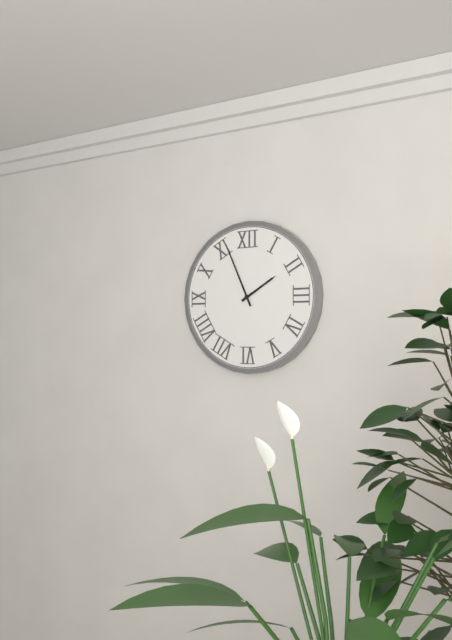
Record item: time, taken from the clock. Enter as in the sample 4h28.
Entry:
1h56
